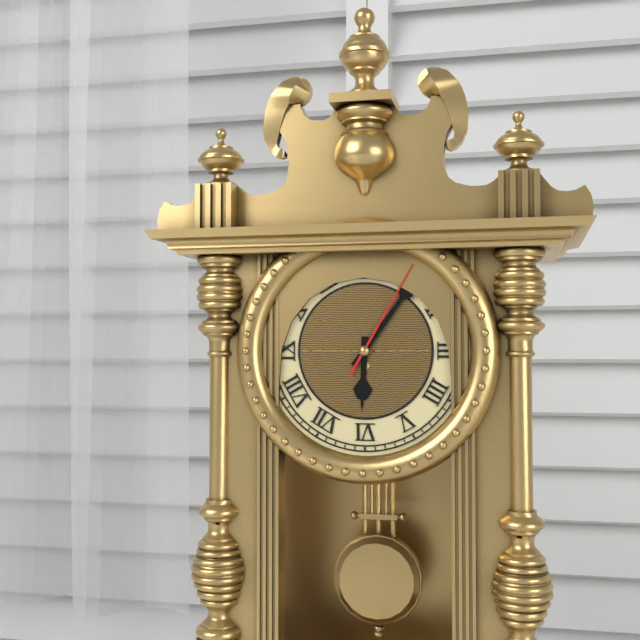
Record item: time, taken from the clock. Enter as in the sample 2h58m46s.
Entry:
6h06m05s
